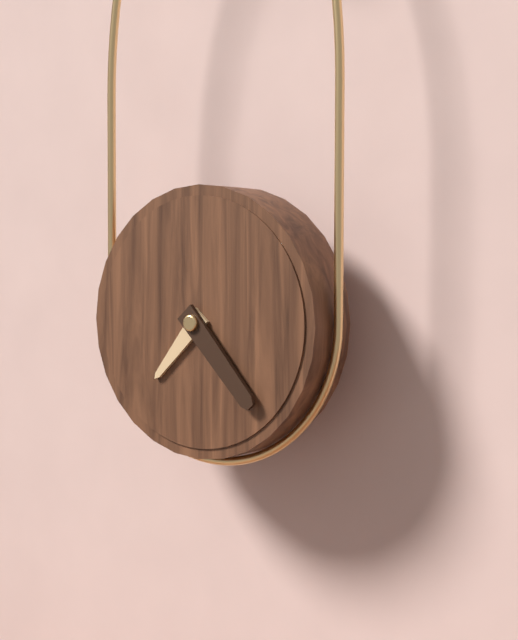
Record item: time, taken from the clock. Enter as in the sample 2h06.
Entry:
7h23
